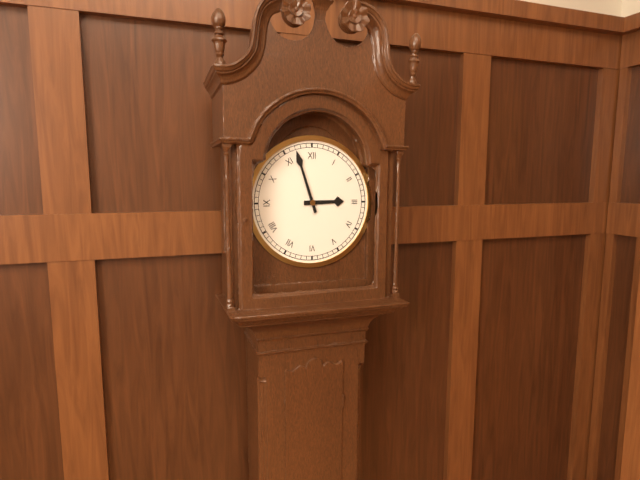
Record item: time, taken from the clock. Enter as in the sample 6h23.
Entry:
2h57
